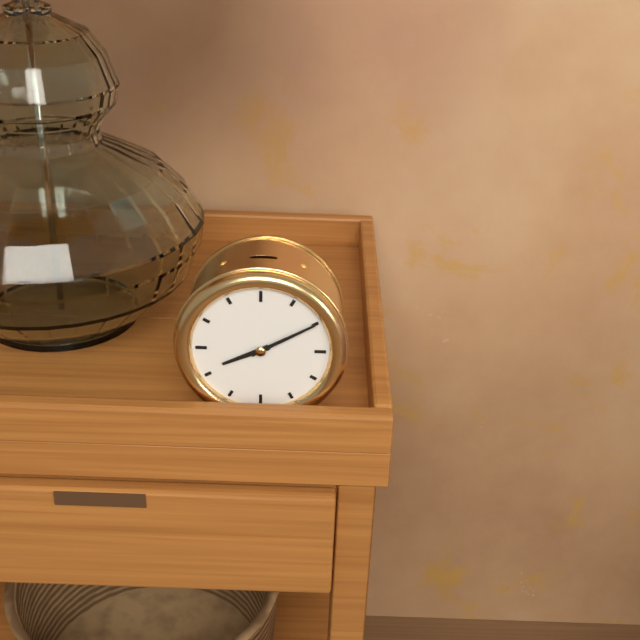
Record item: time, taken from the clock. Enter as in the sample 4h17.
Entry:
8h10
